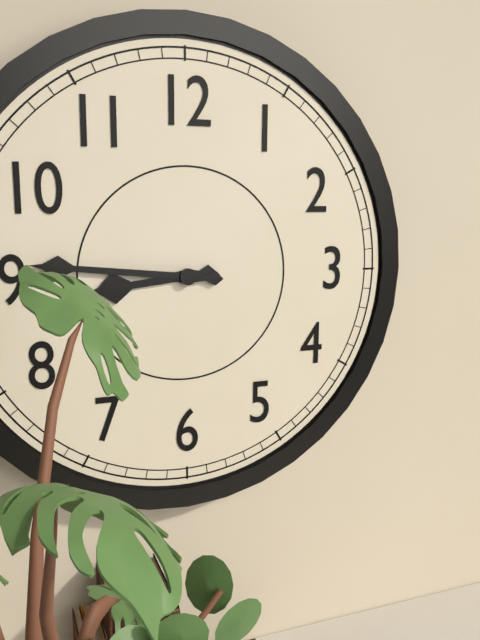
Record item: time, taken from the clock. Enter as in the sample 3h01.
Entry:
8h46
